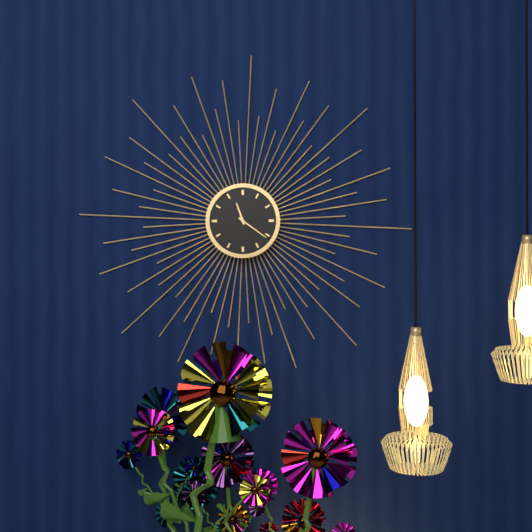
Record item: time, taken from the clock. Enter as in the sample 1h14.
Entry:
11h21
